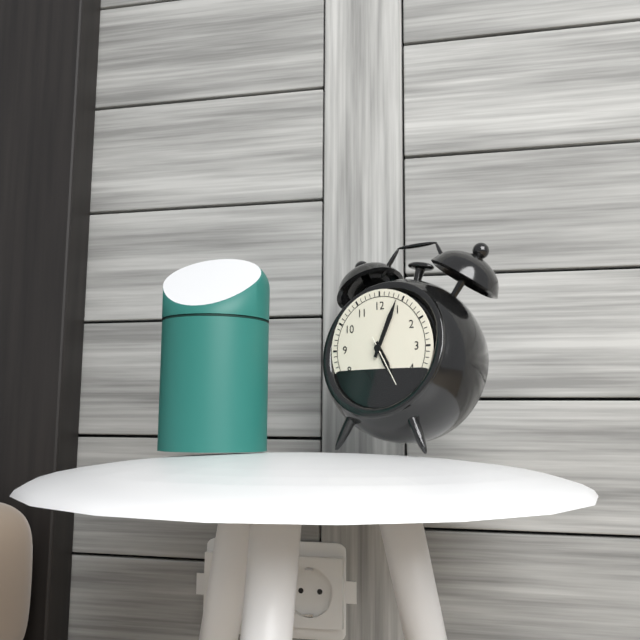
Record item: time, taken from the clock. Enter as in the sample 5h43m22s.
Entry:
5h04m25s
